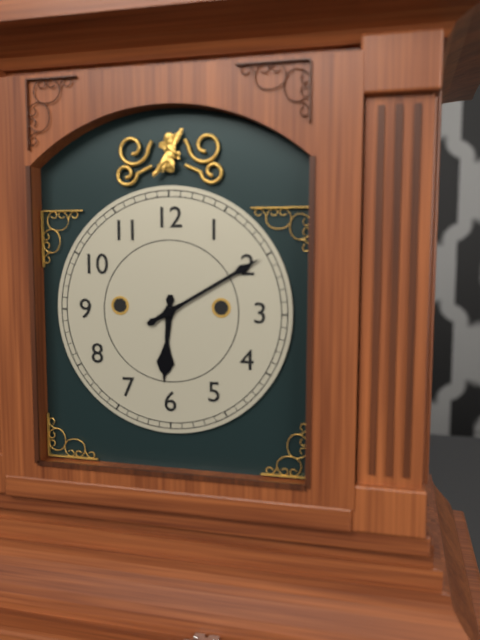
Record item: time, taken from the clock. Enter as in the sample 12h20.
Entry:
6h10
